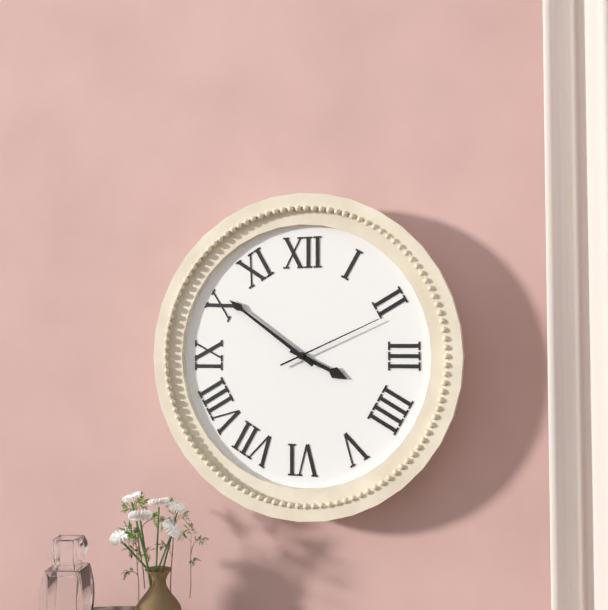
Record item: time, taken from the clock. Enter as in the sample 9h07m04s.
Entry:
3h51m11s
